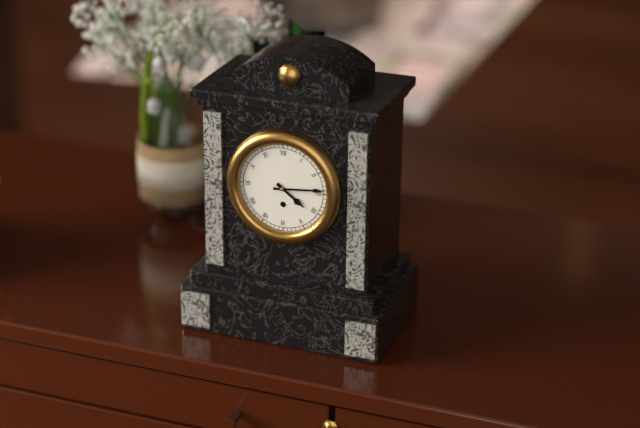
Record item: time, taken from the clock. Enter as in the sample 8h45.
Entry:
4h14
